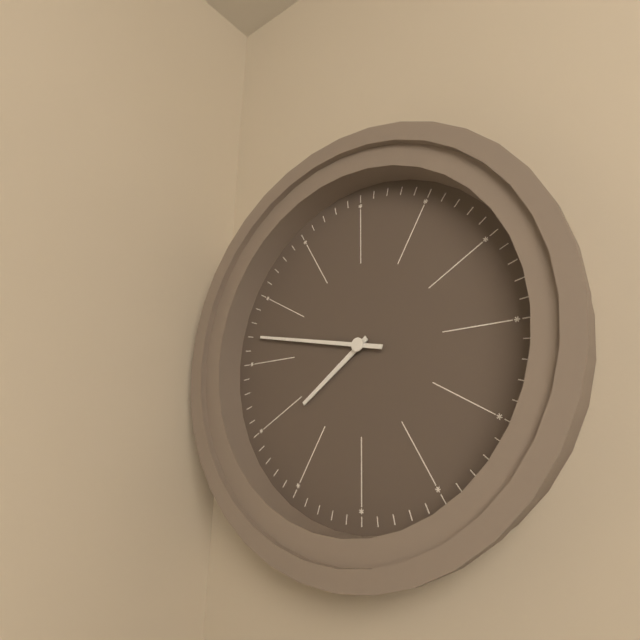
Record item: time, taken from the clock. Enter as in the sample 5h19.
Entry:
7h47
